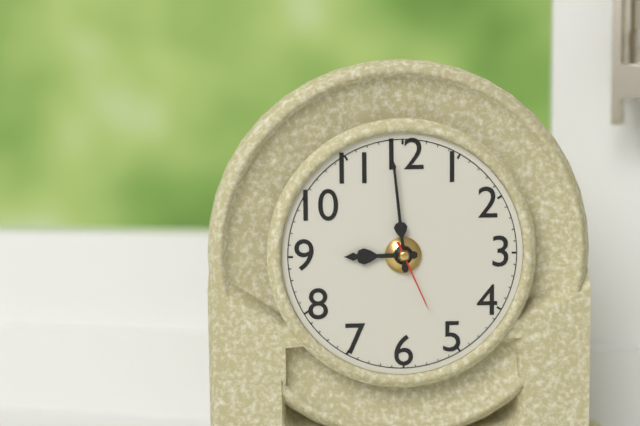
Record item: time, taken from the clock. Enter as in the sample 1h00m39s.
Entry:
8h59m26s
